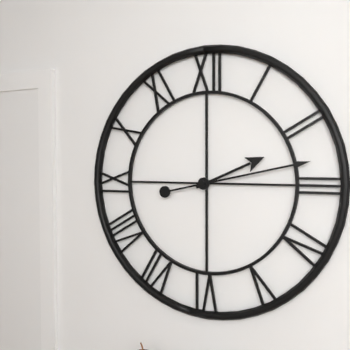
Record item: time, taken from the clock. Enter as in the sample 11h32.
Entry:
2h13
